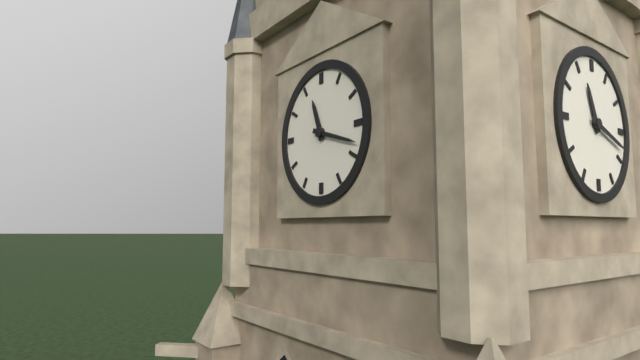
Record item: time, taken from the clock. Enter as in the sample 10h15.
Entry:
11h18
